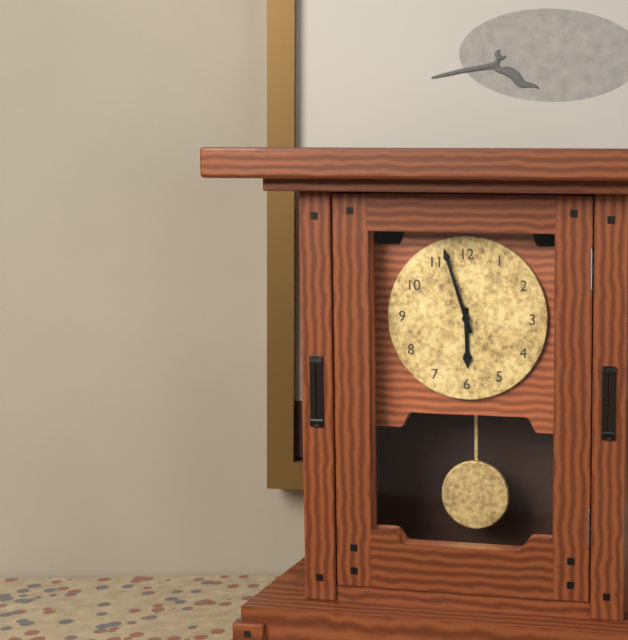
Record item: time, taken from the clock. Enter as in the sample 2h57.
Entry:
5h57
